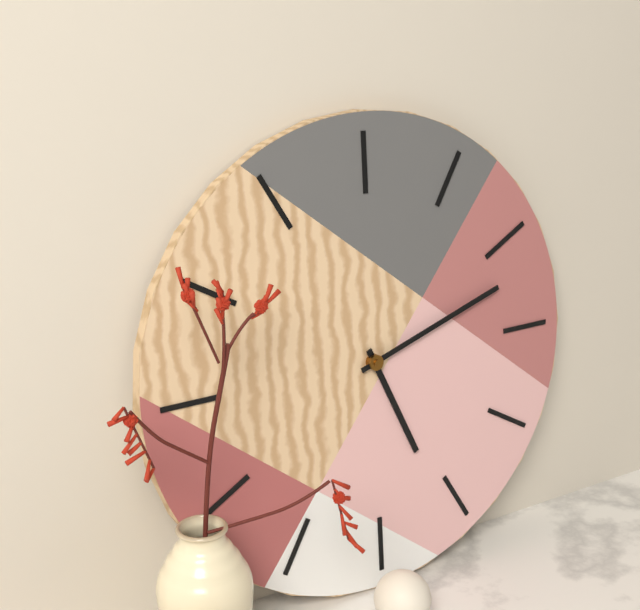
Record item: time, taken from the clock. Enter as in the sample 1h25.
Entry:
5h12
